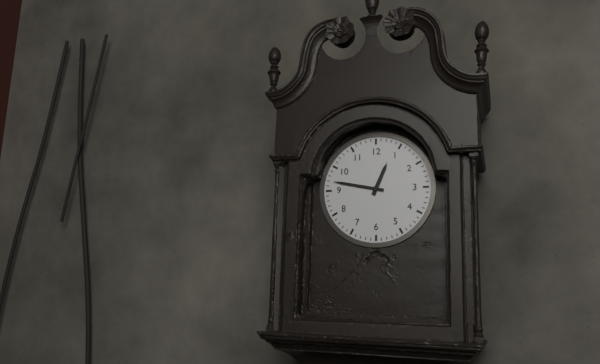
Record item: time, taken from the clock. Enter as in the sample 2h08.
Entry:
12h47
